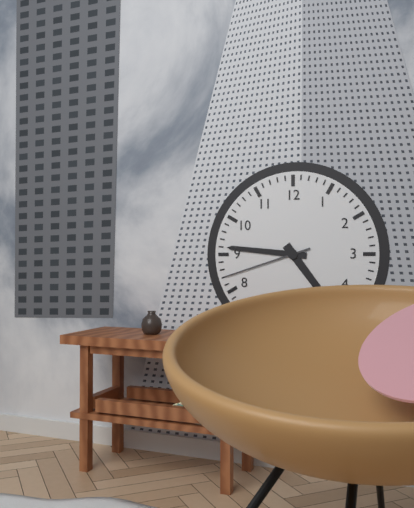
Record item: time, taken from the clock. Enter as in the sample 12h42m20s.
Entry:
4h46m42s
